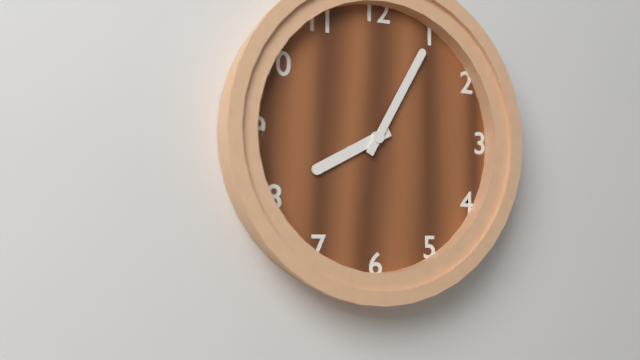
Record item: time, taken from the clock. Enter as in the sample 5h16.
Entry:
8h05
